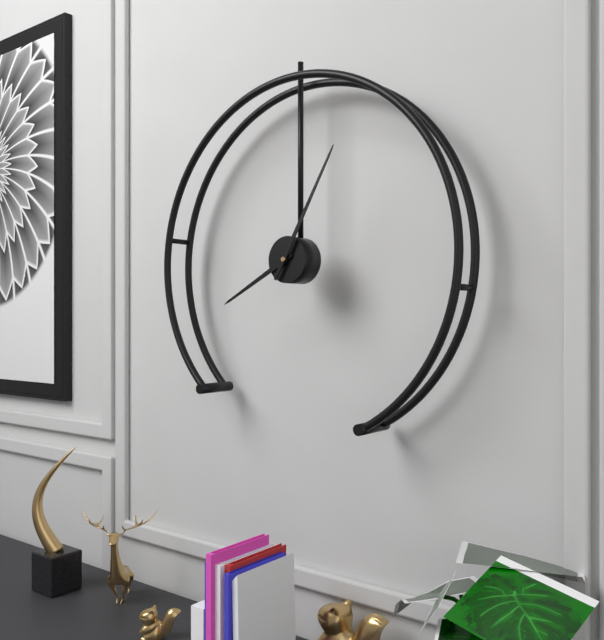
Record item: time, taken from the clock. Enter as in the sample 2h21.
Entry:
8h05
